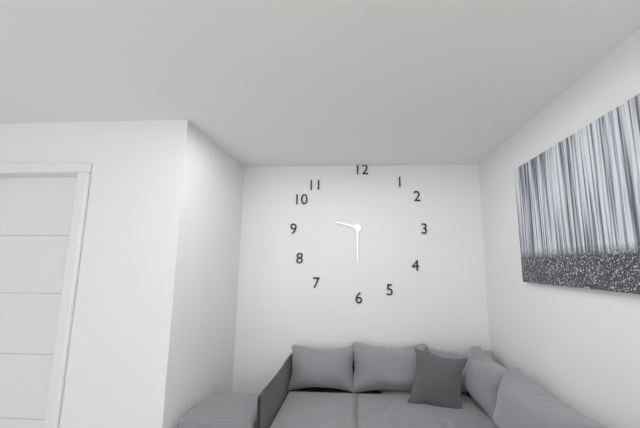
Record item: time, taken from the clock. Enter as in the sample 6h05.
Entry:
9h30
